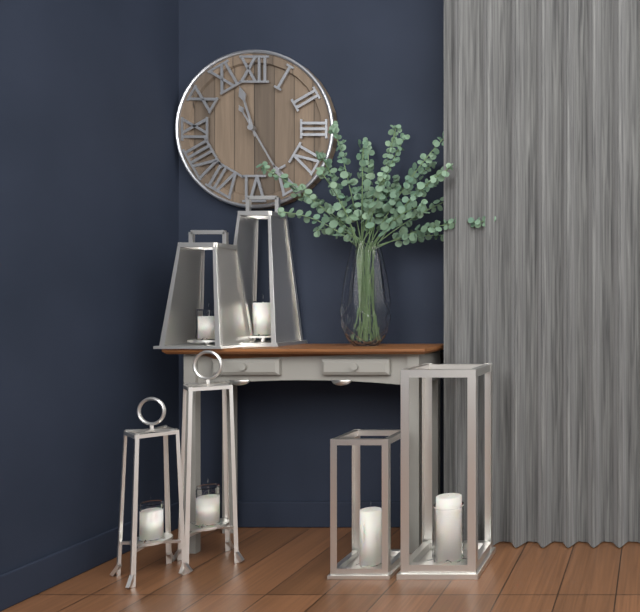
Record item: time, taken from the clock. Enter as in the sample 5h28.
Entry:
11h25
